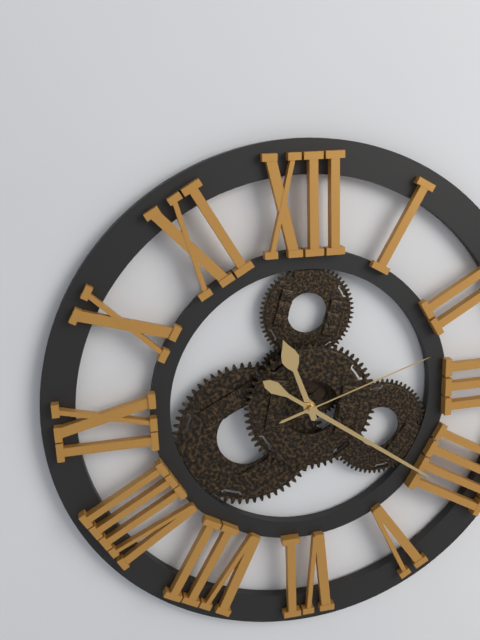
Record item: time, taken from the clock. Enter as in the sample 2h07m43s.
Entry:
11h21m12s
